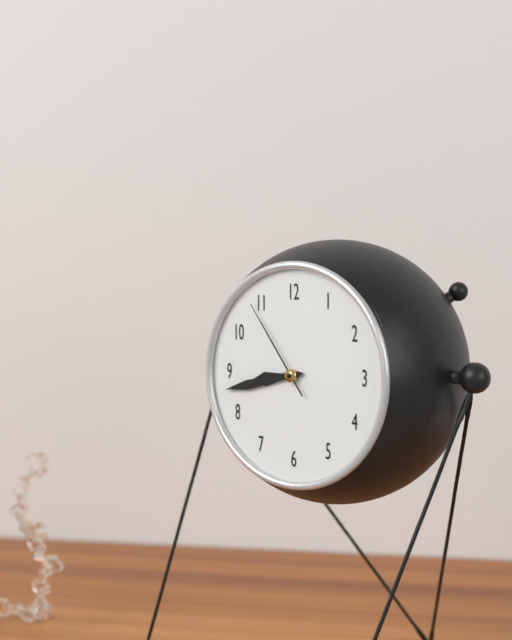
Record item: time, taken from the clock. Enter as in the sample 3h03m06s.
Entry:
8h43m54s
